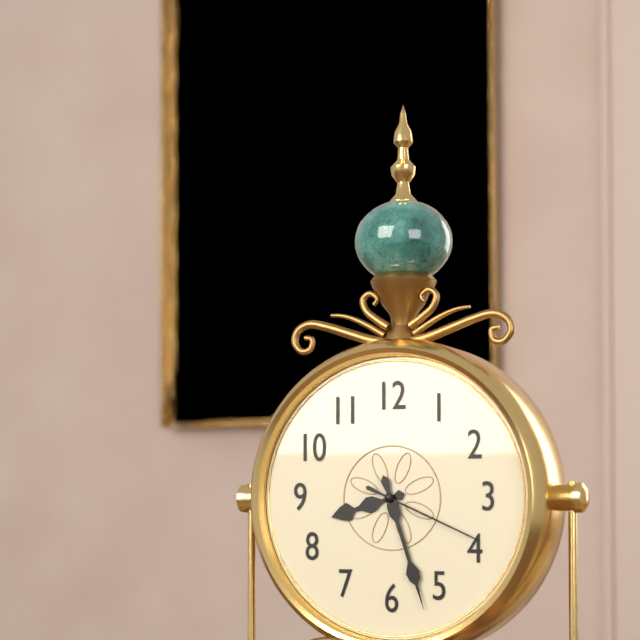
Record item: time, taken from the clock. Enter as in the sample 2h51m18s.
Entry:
8h27m19s
